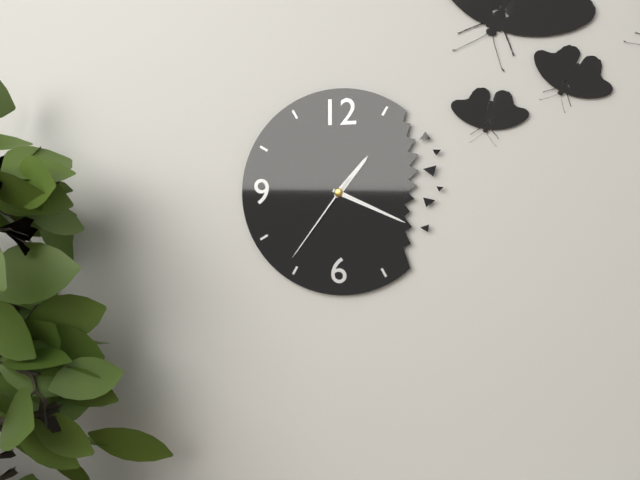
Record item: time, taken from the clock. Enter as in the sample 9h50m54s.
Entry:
1h19m36s
